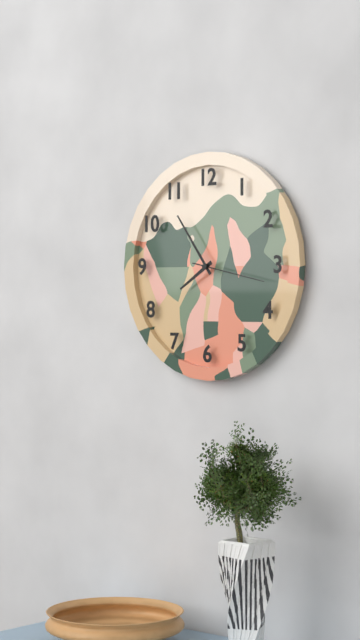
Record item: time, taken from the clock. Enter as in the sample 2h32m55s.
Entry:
7h54m17s
